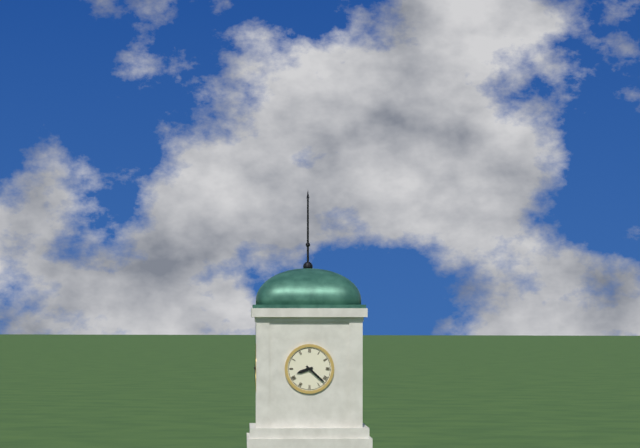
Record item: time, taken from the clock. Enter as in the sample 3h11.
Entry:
8h22
